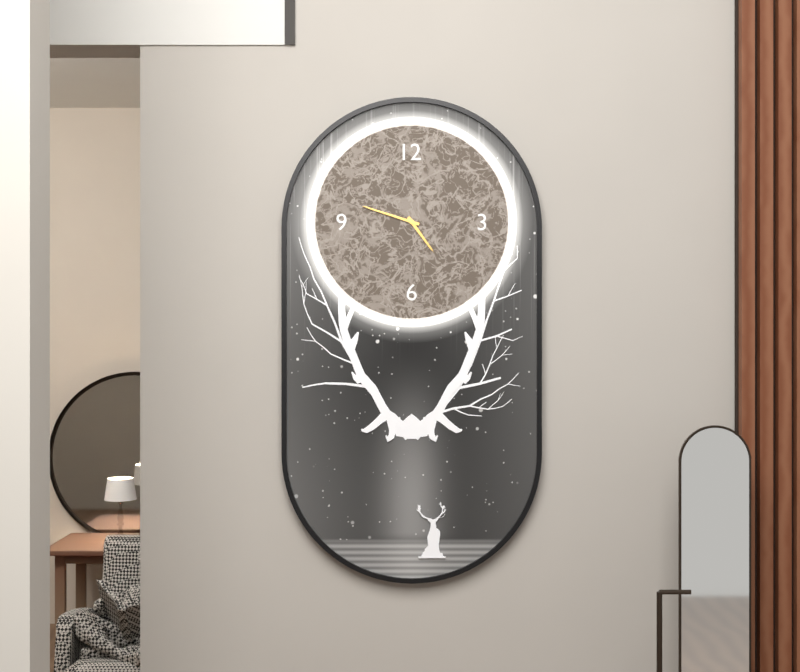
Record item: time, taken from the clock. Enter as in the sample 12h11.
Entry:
4h48
